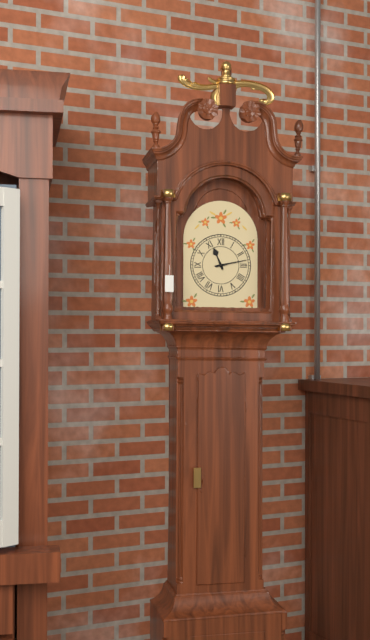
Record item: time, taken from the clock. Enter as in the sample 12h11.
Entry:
11h13
